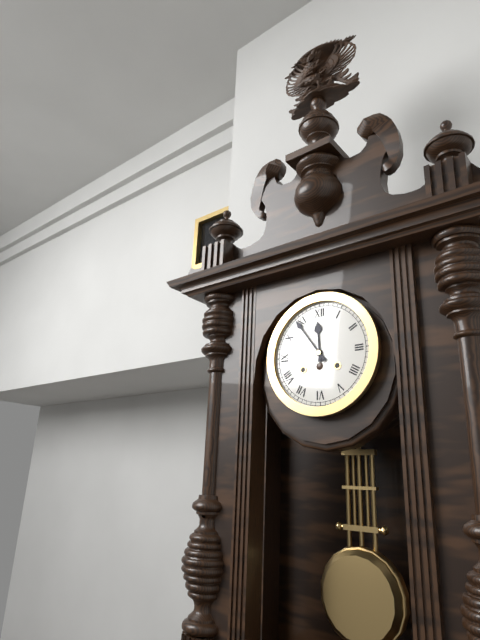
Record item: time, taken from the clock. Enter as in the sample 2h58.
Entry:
11h54
